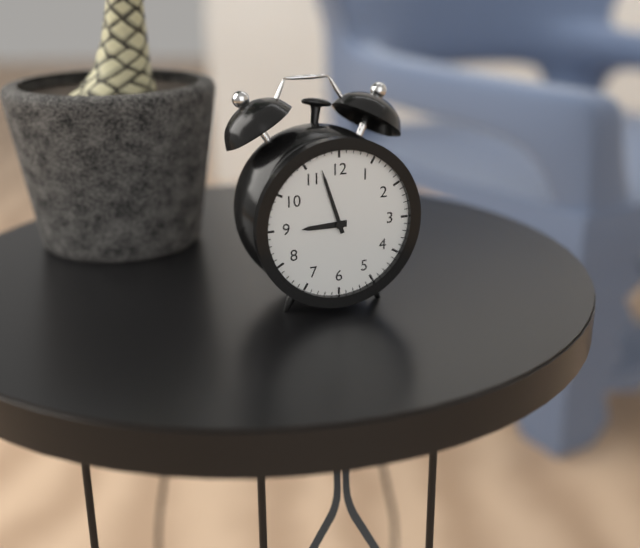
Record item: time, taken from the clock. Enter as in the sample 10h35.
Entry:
8h57
